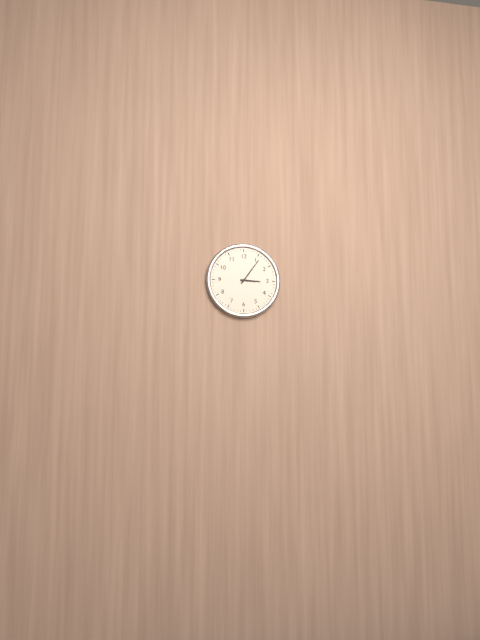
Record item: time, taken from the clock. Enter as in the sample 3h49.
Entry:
3h06
